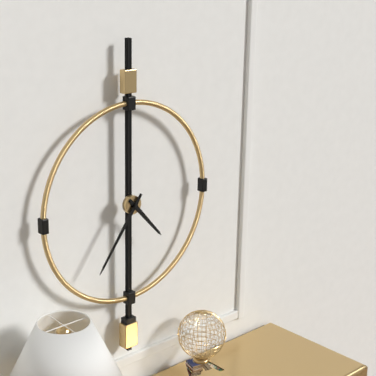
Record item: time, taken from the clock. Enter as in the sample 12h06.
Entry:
4h36
